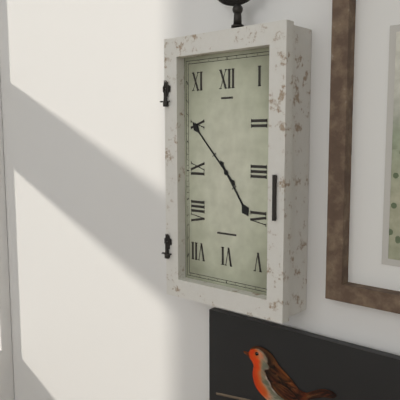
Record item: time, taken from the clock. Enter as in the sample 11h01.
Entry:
4h53
